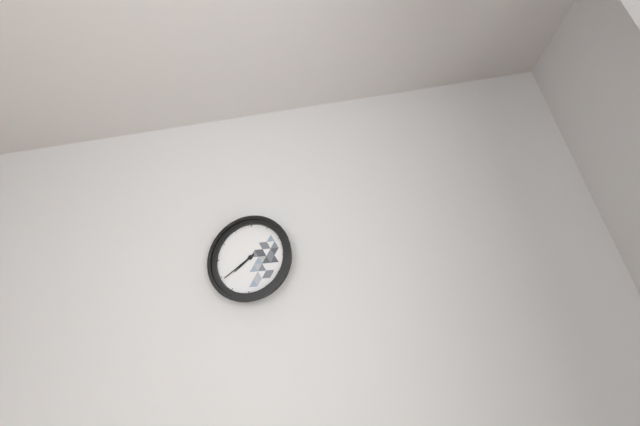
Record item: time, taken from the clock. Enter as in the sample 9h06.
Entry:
7h39
